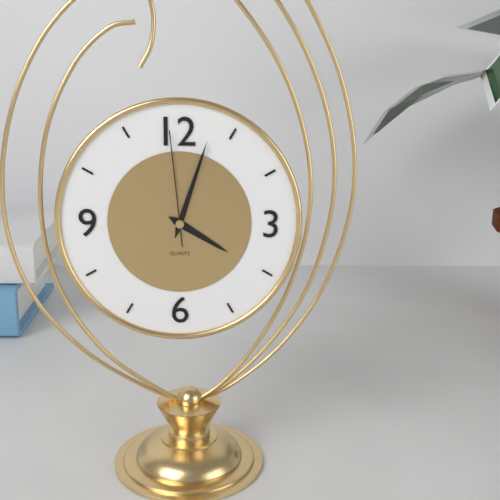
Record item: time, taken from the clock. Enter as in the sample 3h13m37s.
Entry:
4h03m59s
